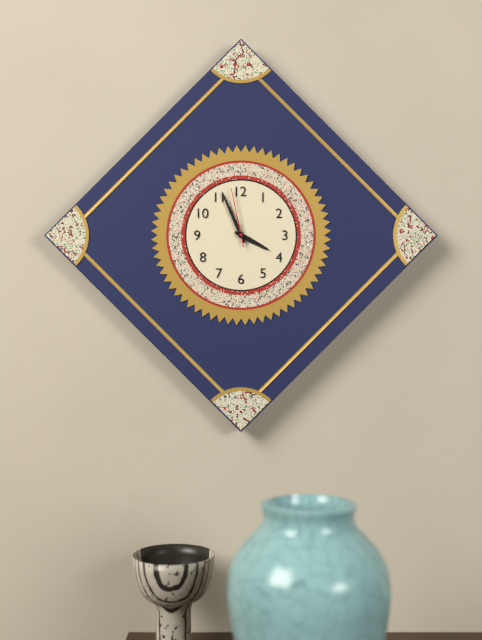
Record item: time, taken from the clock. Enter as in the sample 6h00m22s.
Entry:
3h56m58s
